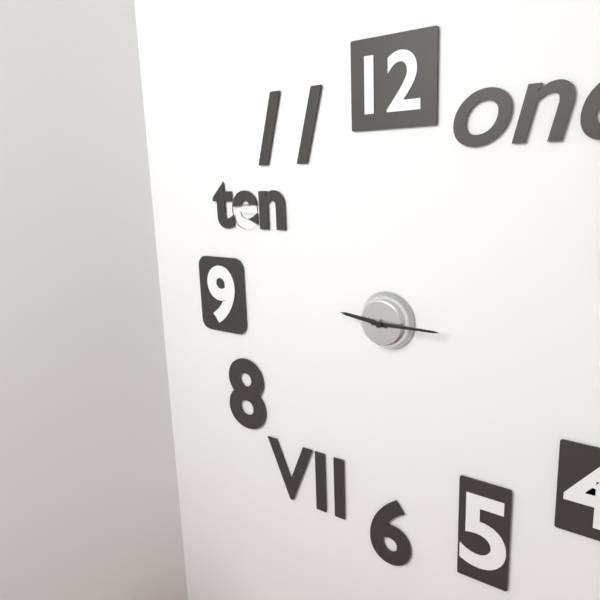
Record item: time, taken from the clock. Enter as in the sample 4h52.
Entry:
9h15
